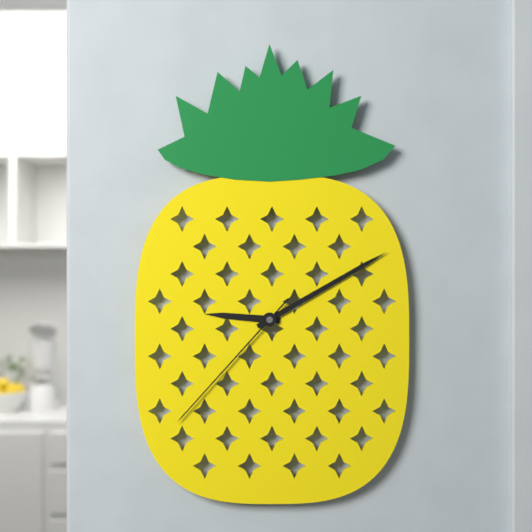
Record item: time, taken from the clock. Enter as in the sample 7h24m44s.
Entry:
9h10m37s
